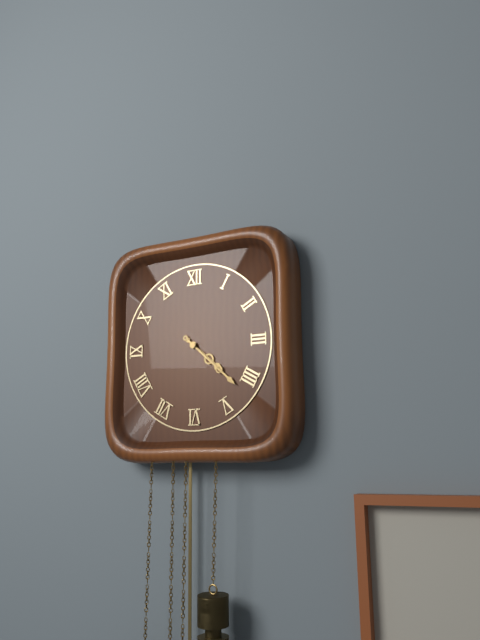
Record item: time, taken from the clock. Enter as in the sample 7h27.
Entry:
4h22
